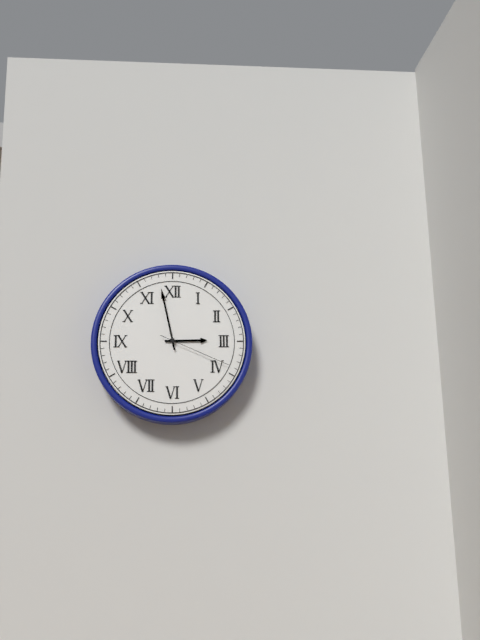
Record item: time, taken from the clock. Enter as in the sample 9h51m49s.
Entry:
2h58m19s
